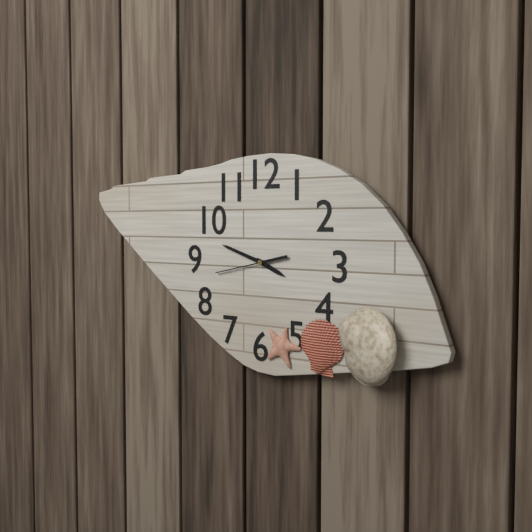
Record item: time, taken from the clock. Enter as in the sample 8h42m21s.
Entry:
3h48m43s
